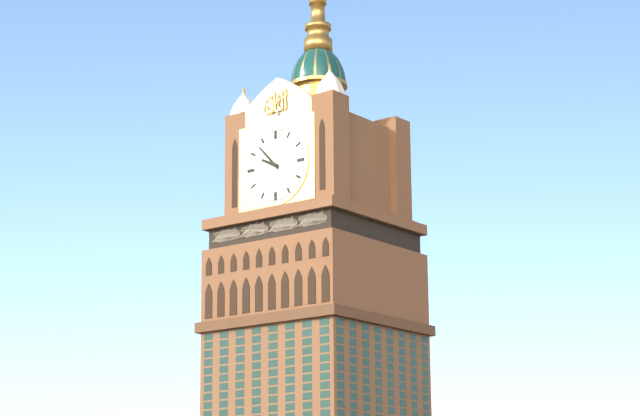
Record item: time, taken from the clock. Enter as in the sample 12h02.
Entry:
9h53
